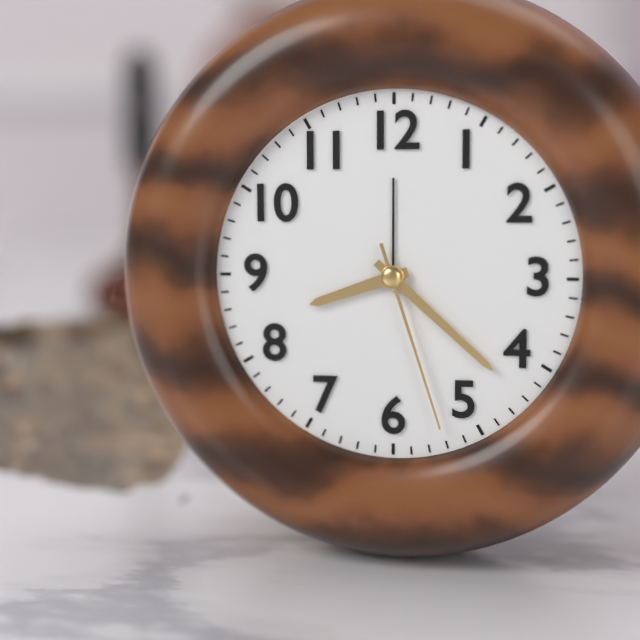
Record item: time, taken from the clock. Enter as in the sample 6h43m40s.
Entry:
8h22m27s
